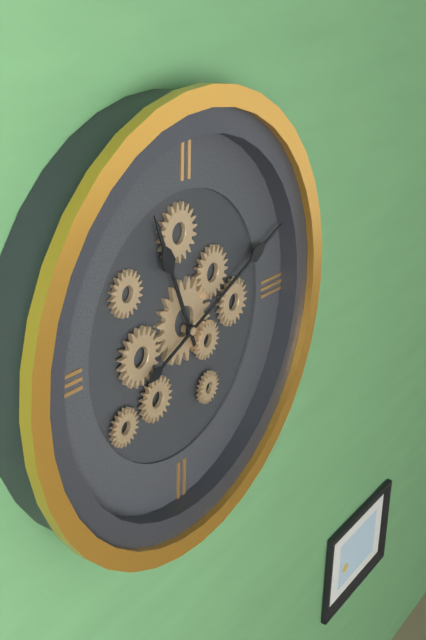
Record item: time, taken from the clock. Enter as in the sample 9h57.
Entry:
11h11
